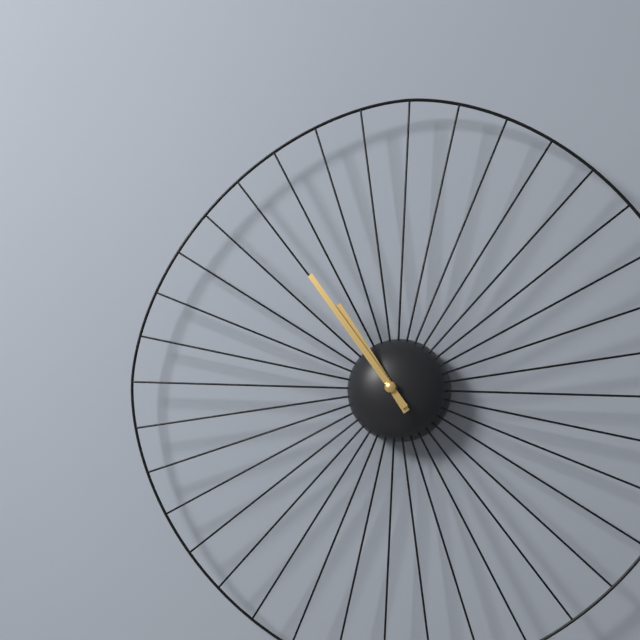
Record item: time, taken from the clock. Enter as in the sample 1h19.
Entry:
10h54
